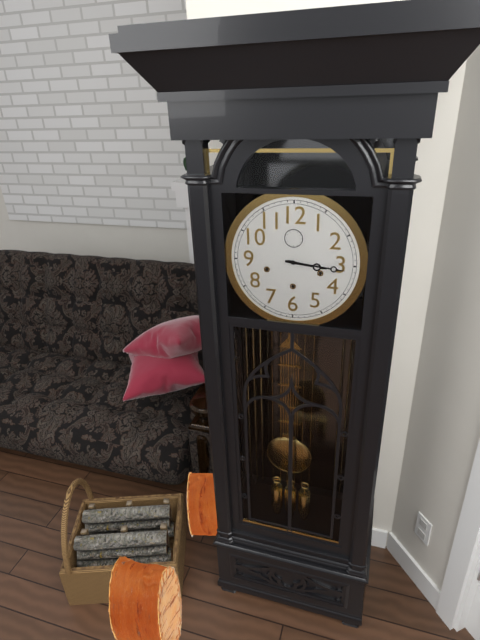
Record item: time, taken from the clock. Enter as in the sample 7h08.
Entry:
3h16
